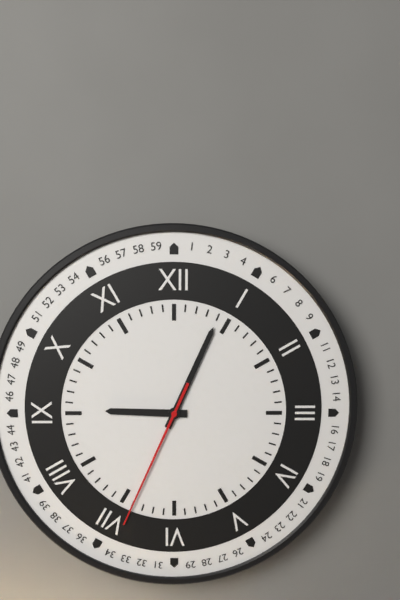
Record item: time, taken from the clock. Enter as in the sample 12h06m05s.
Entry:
9h04m34s
